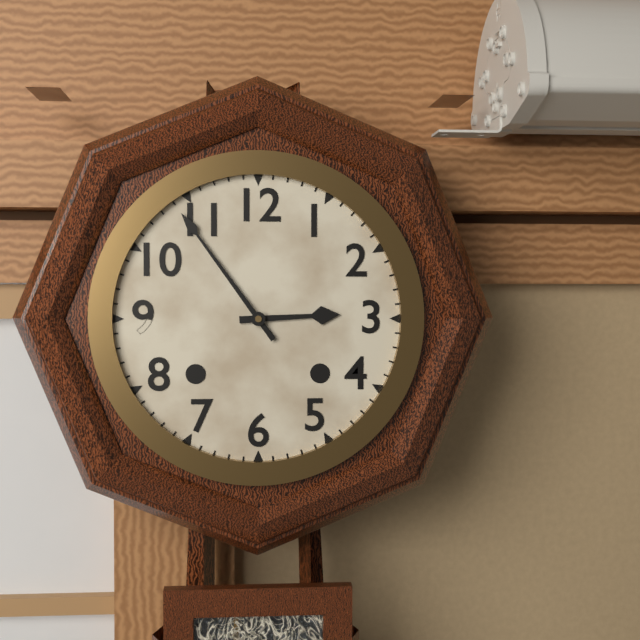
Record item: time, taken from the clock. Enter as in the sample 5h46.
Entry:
2h54
